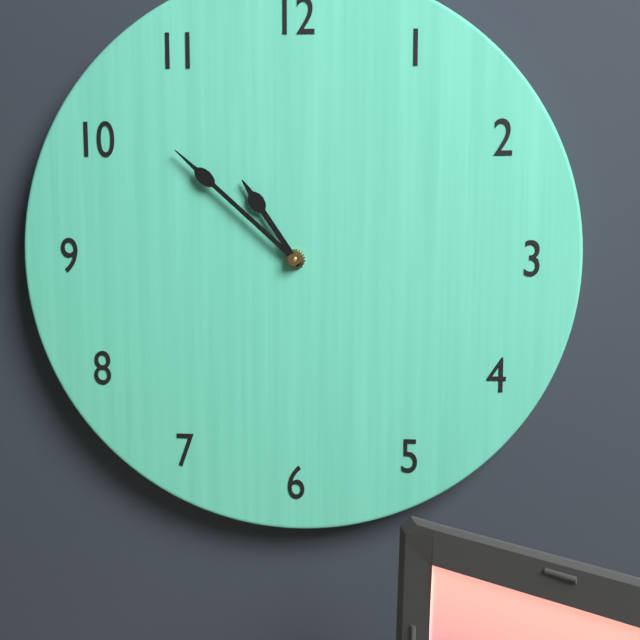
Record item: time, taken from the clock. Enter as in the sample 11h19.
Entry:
10h52
